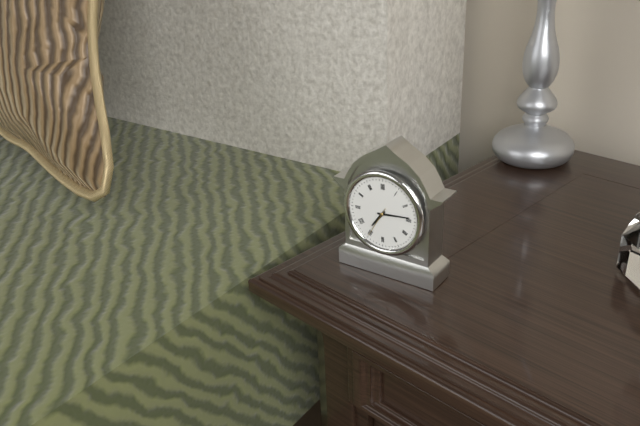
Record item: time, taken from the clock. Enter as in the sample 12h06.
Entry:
7h14
